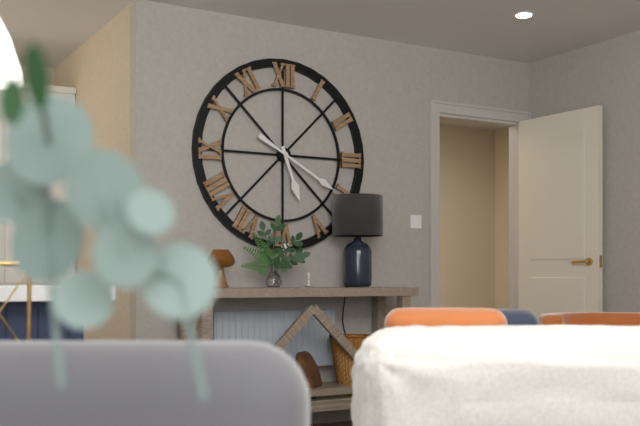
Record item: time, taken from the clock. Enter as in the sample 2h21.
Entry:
5h20
